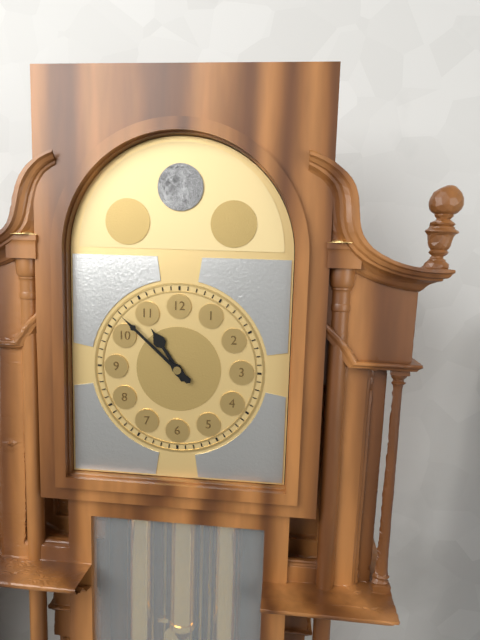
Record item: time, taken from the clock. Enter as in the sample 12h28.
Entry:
10h52
